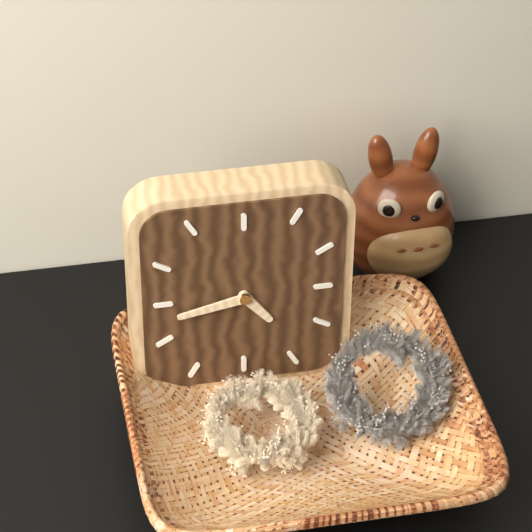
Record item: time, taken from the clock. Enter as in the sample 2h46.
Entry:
4h43
